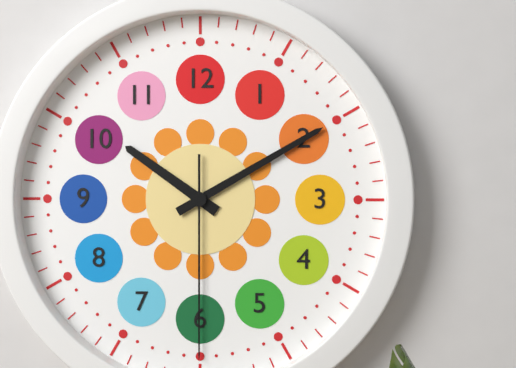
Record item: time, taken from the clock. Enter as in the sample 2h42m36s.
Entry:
10h10m30s
